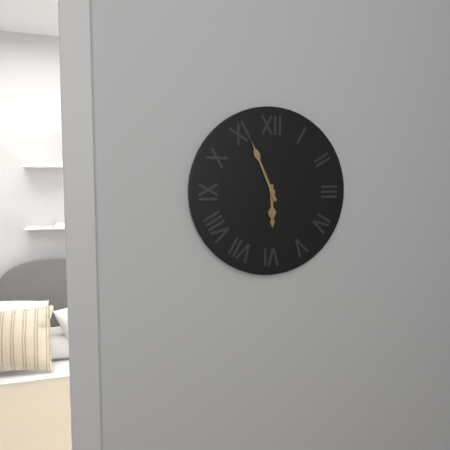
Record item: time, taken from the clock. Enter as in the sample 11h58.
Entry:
5h56
